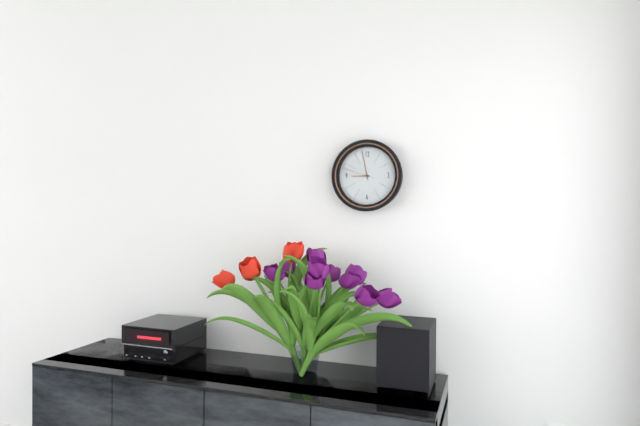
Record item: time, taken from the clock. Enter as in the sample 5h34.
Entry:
8h58
